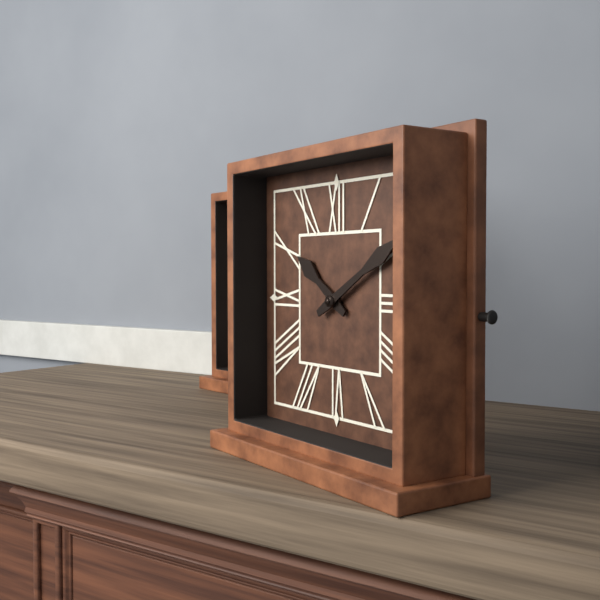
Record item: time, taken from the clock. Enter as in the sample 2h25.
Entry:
10h10
